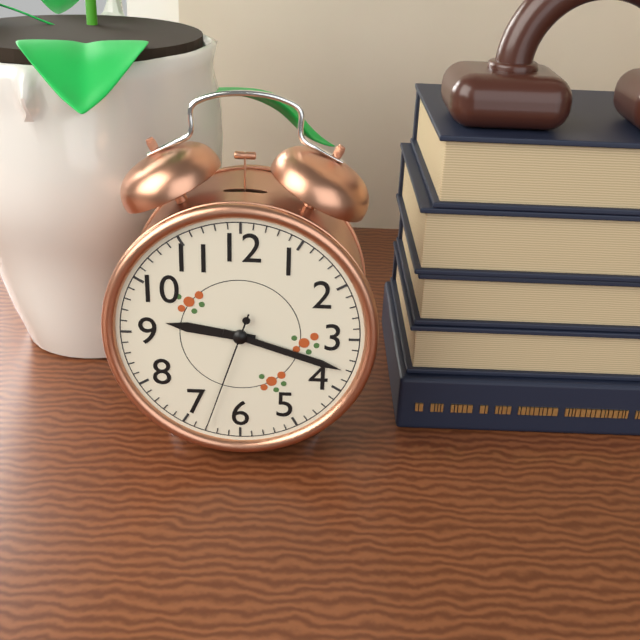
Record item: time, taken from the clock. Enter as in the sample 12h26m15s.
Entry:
9h18m33s
